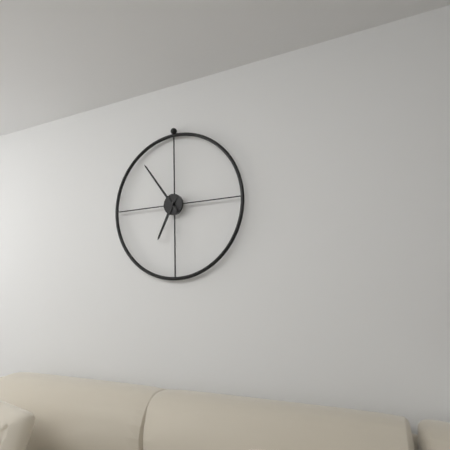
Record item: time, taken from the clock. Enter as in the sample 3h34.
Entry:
6h54
